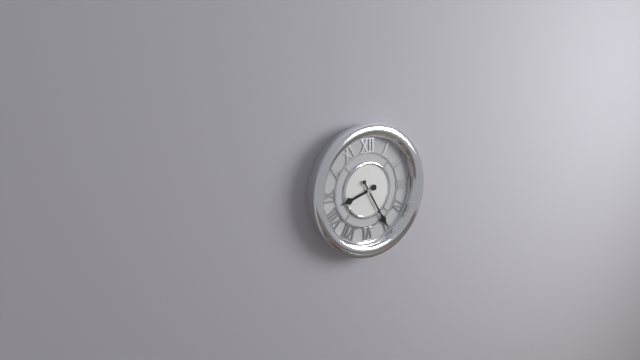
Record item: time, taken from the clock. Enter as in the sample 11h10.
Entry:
8h25
